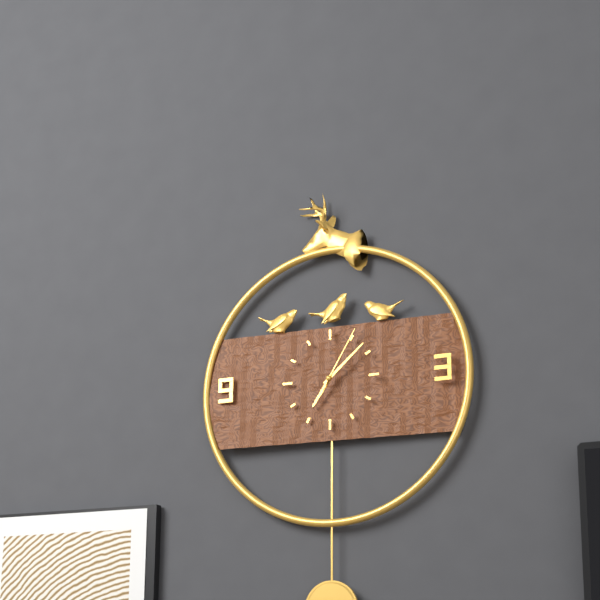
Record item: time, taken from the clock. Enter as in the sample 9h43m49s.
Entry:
7h08m05s
